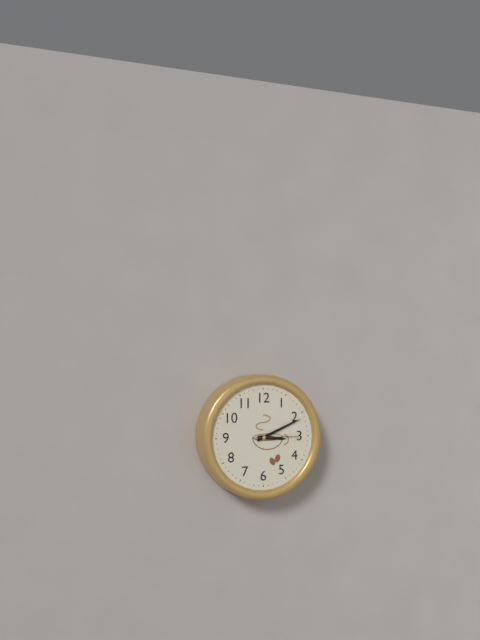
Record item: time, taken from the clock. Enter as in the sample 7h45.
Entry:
3h11
